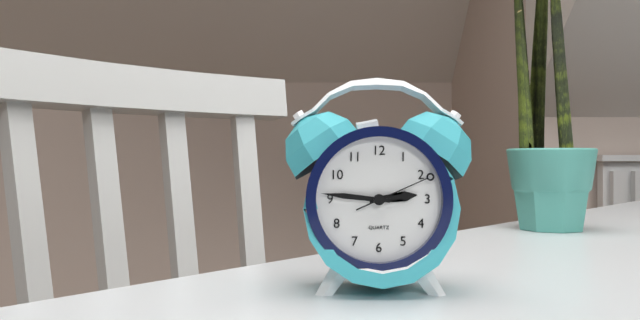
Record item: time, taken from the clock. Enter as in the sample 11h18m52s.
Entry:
2h46m11s
